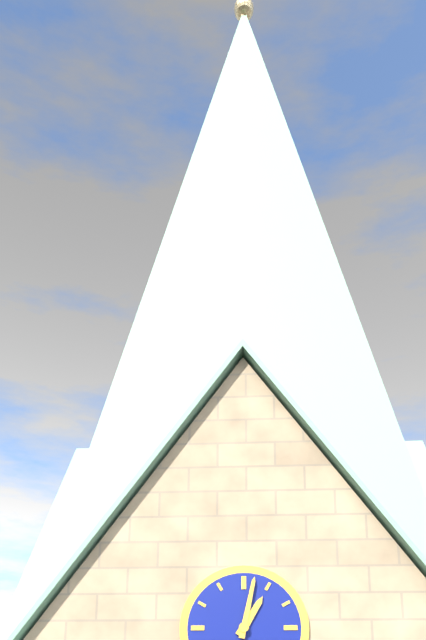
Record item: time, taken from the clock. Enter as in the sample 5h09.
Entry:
1h02
